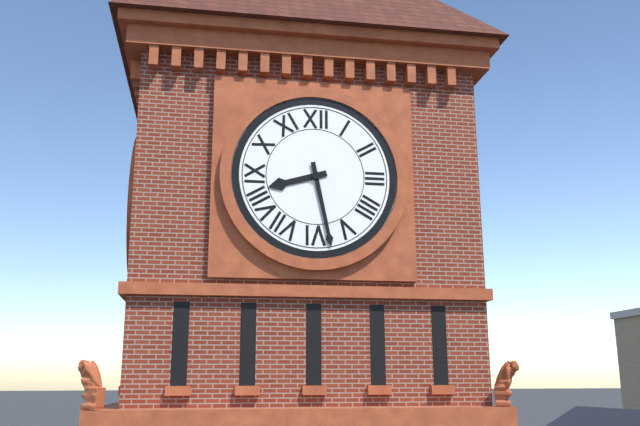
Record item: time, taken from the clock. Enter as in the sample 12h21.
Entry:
8h28
